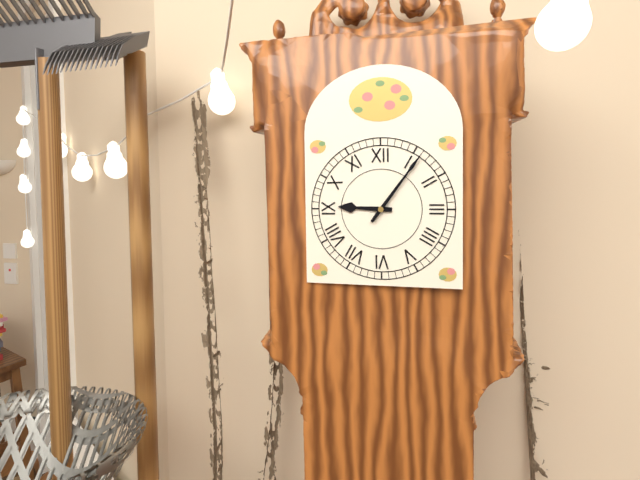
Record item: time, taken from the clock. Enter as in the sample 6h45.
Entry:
9h06
